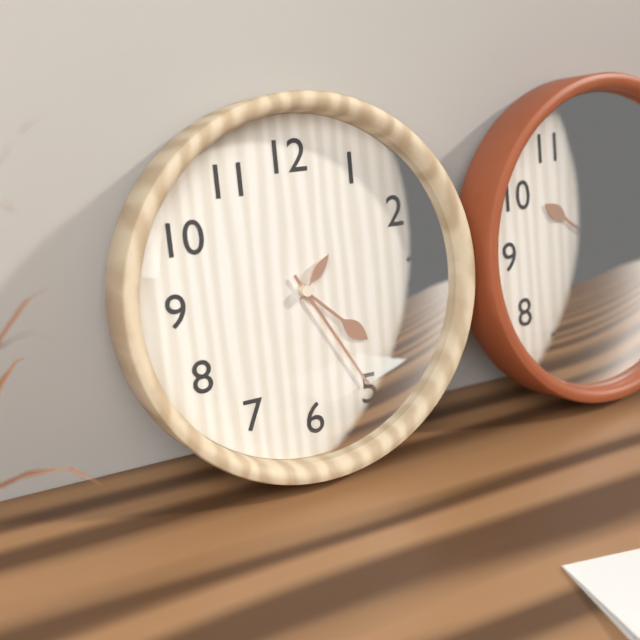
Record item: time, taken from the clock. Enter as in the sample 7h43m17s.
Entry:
4h25m07s
